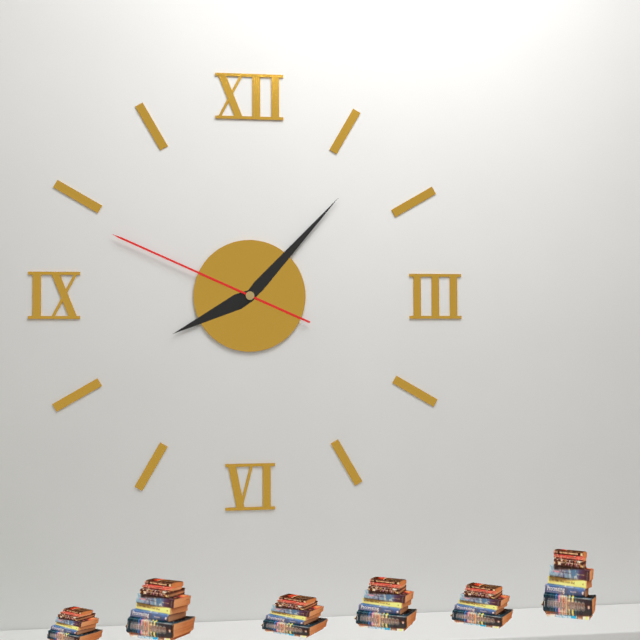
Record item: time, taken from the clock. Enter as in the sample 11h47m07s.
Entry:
8h07m49s
